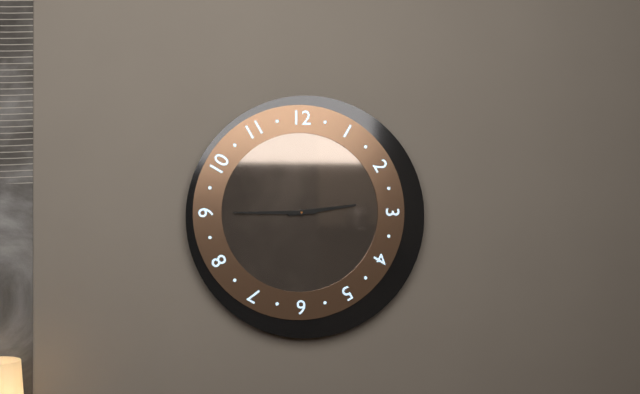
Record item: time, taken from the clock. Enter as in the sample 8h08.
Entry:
2h45
